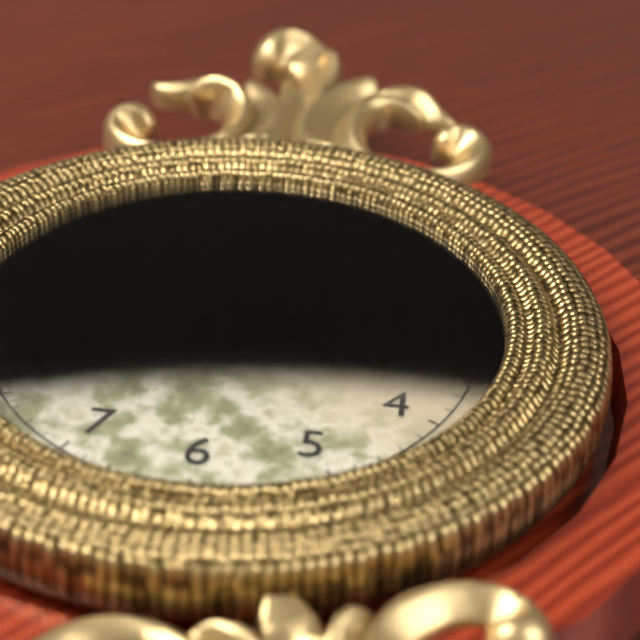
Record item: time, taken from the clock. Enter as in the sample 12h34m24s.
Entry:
11h10m48s
